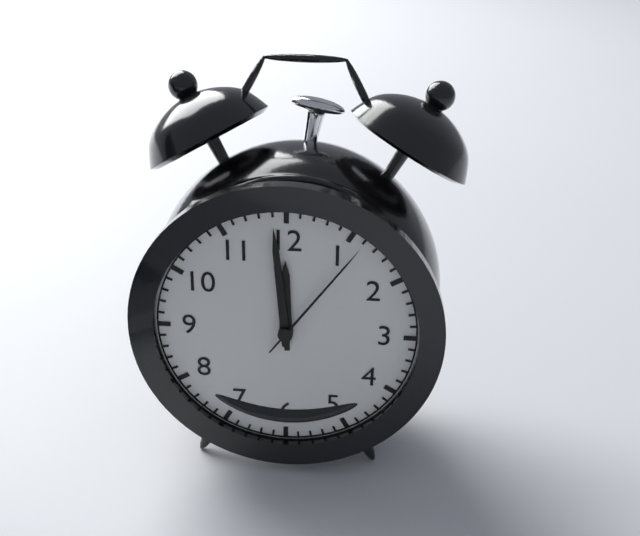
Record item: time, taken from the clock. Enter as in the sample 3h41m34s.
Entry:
11h59m06s
